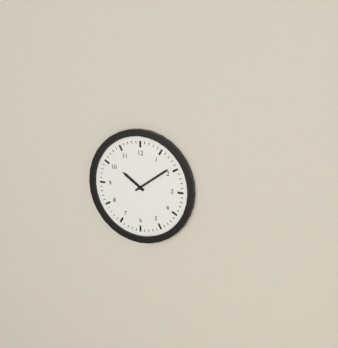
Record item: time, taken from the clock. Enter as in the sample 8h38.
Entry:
10h09
